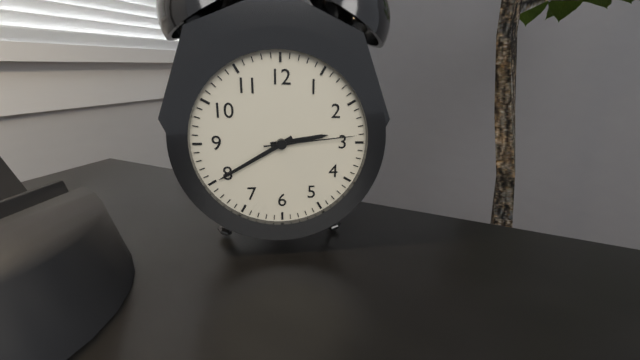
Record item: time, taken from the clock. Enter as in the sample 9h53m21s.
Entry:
2h40m14s
